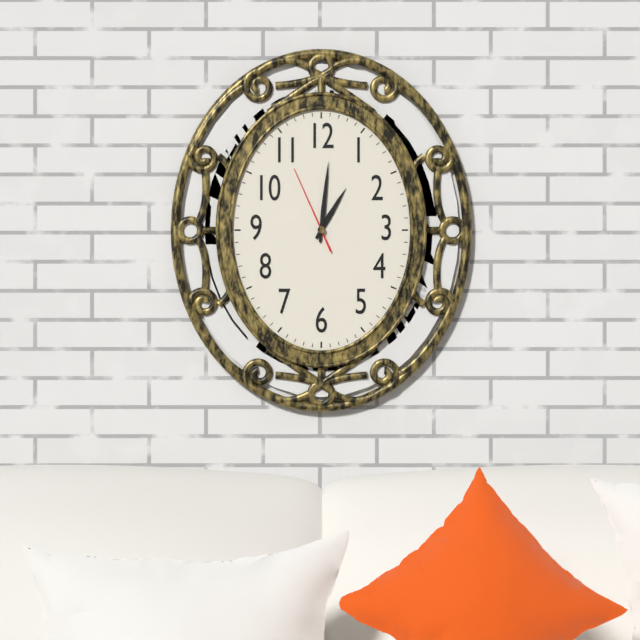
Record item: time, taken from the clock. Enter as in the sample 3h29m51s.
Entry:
1h01m56s
